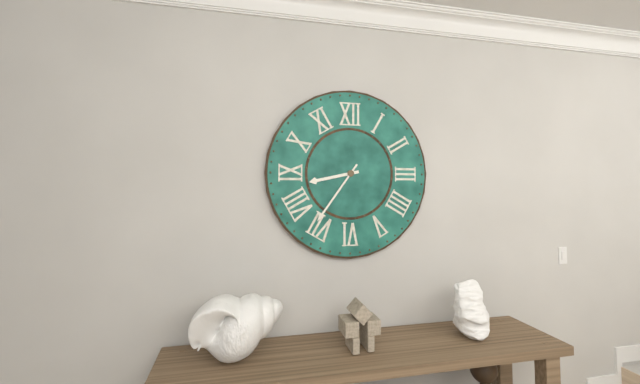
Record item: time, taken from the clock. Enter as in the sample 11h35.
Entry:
8h36
